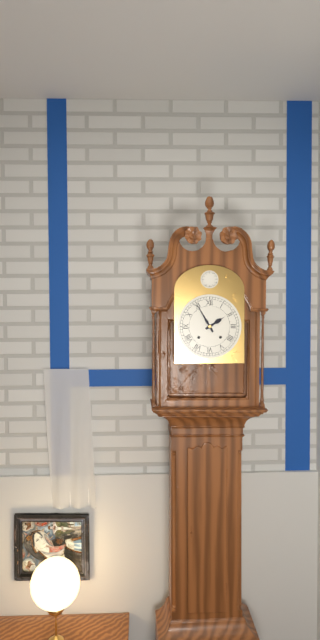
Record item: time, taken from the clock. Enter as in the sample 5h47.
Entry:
1h55
